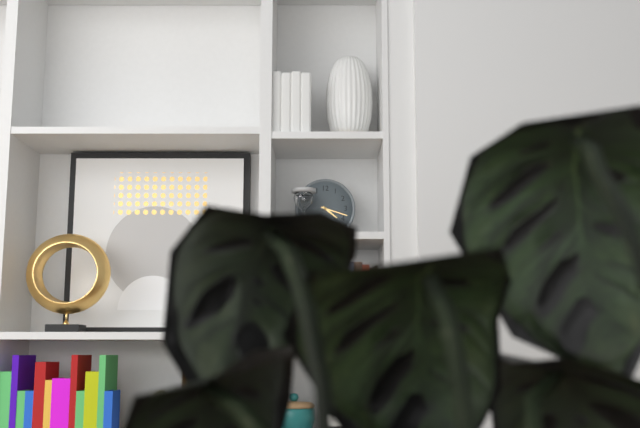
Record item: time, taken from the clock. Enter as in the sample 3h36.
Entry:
4h18
